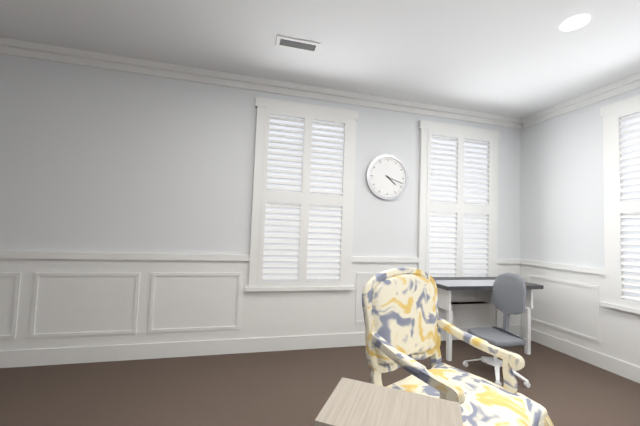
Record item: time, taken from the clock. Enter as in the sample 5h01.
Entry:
4h18
